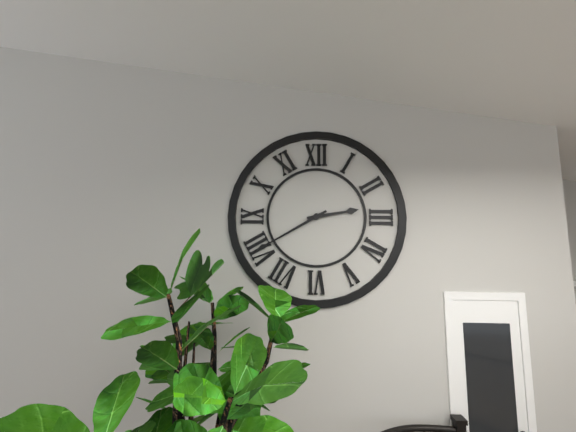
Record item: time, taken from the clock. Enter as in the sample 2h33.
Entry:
2h40
